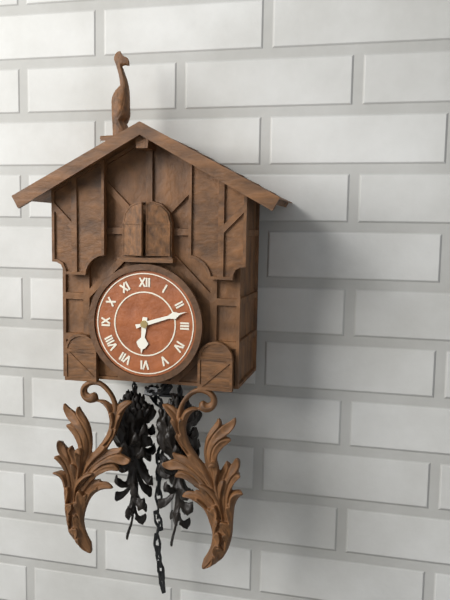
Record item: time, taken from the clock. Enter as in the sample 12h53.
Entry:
6h12
